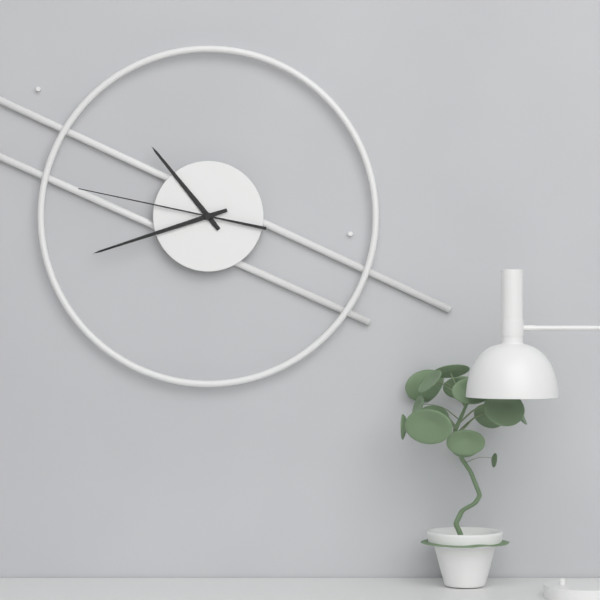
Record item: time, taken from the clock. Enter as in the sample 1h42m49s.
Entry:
10h42m47s
